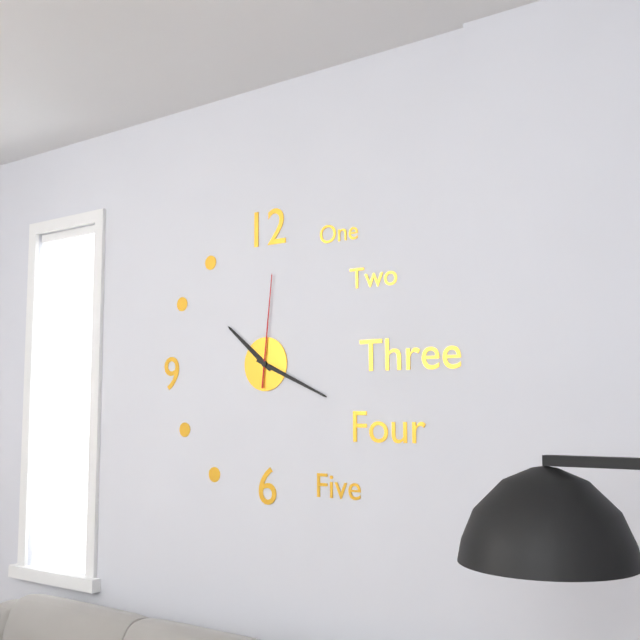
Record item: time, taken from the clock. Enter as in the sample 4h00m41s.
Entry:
10h19m01s
